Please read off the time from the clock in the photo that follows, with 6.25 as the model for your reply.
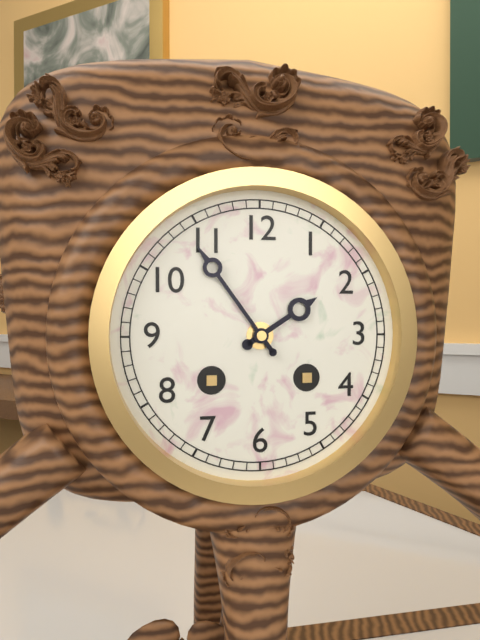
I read 1.54
